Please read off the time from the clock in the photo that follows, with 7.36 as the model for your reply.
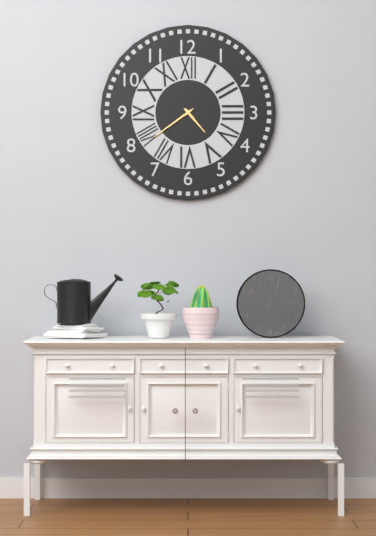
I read 4.39
